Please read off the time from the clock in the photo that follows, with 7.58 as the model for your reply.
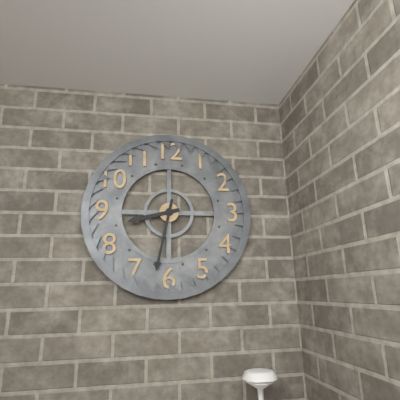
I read 8.32
